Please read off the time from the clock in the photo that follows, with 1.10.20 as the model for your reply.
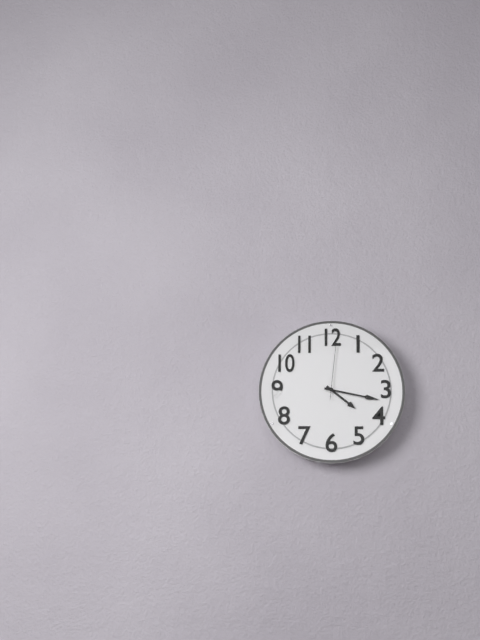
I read 4.17.01
